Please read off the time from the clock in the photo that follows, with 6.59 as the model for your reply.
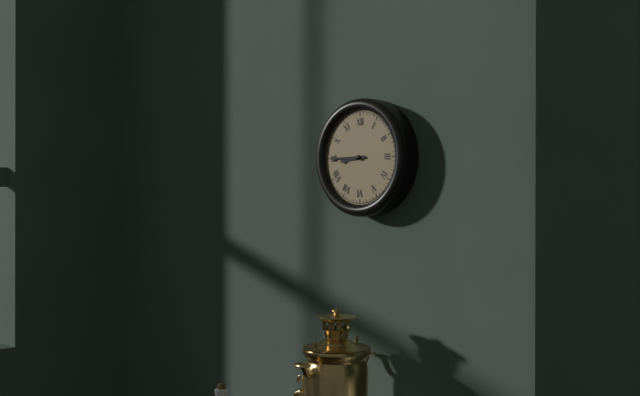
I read 8.45
